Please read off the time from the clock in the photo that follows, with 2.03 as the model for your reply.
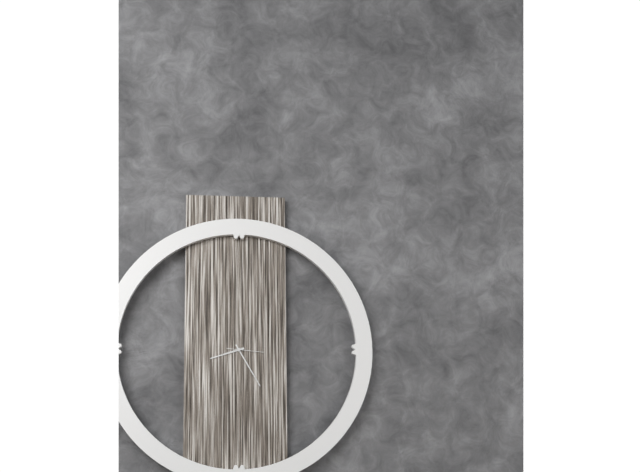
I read 8.25
